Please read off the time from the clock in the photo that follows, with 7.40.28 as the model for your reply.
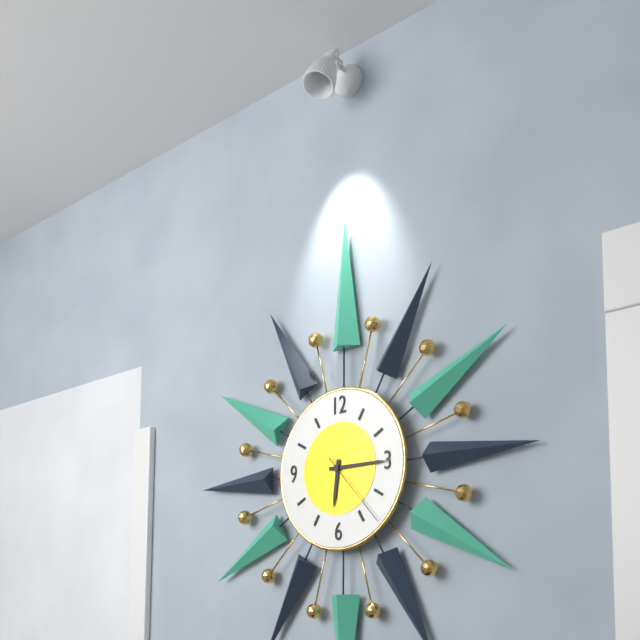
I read 6.15.23
